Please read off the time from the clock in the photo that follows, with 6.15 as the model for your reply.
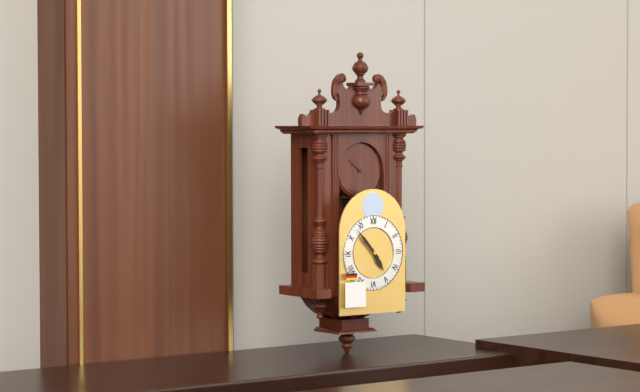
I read 4.53
